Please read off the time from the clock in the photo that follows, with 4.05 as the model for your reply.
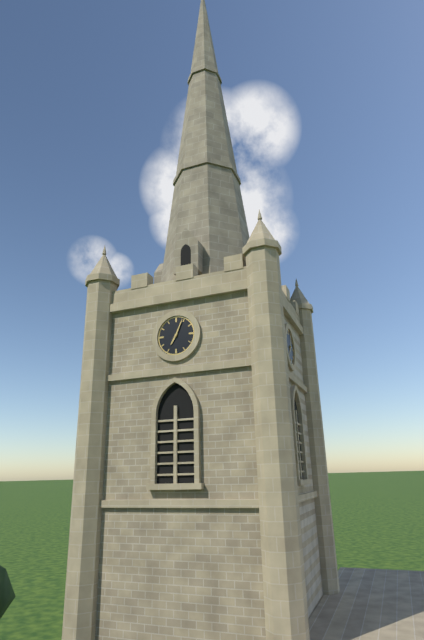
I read 7.04
